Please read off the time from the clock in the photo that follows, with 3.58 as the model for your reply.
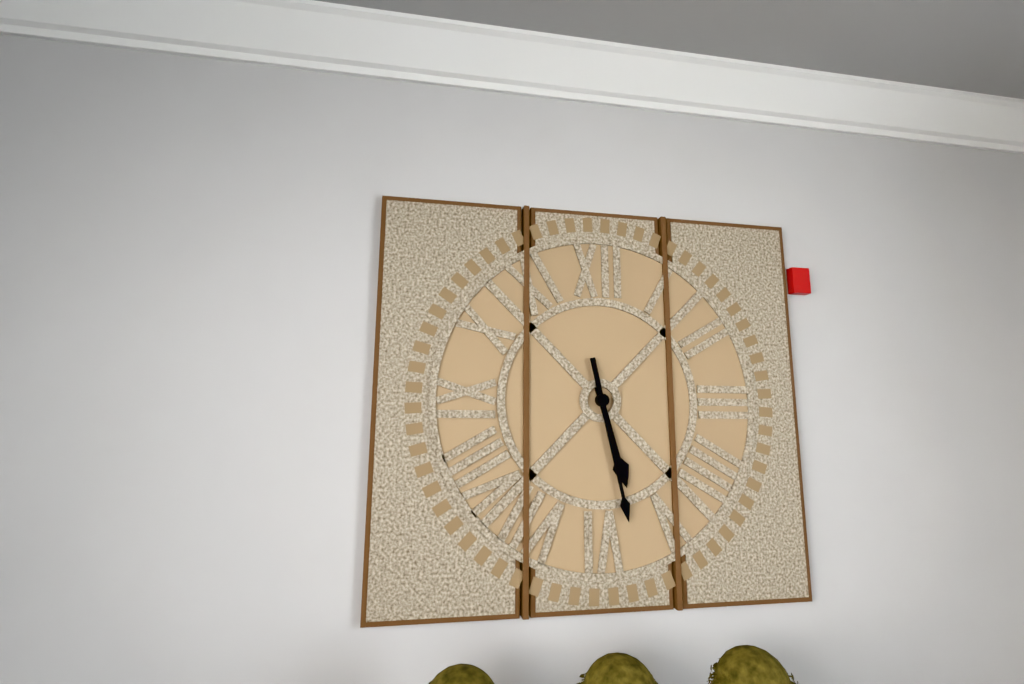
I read 5.28
